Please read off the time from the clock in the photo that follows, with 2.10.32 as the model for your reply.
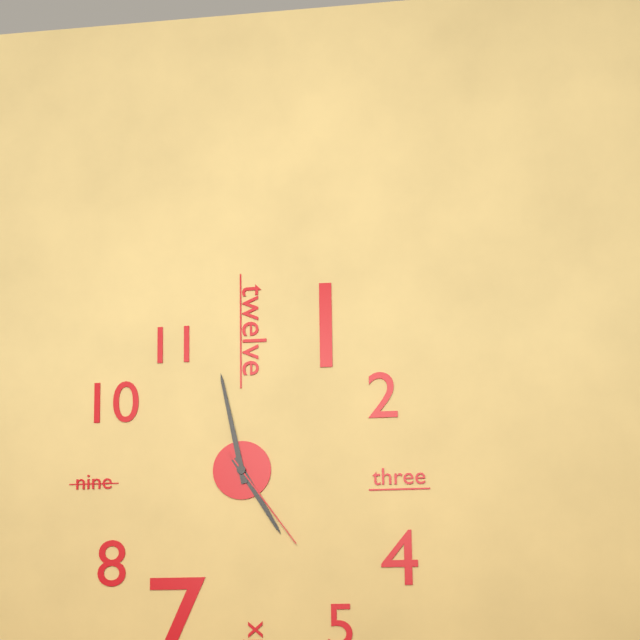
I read 4.58.24
